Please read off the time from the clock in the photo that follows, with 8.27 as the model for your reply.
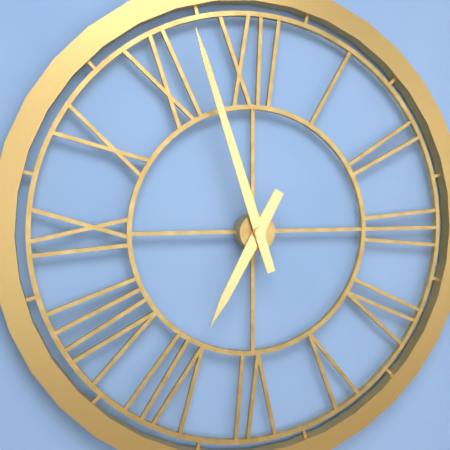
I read 6.57
